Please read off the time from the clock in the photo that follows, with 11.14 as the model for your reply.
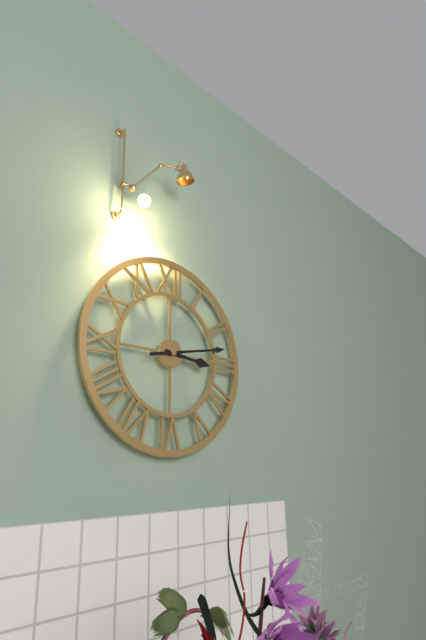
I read 3.13
